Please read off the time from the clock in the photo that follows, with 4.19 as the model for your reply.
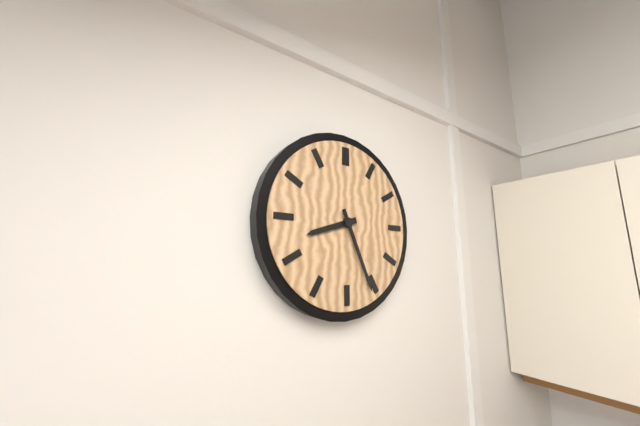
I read 8.26
